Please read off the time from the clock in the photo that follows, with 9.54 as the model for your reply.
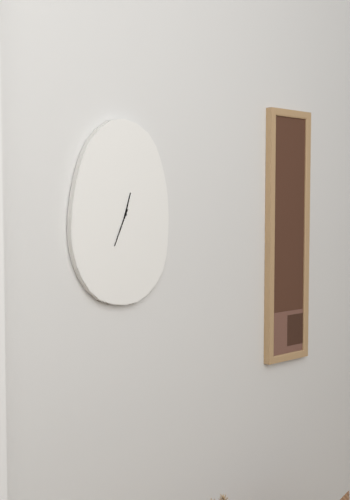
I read 12.34
